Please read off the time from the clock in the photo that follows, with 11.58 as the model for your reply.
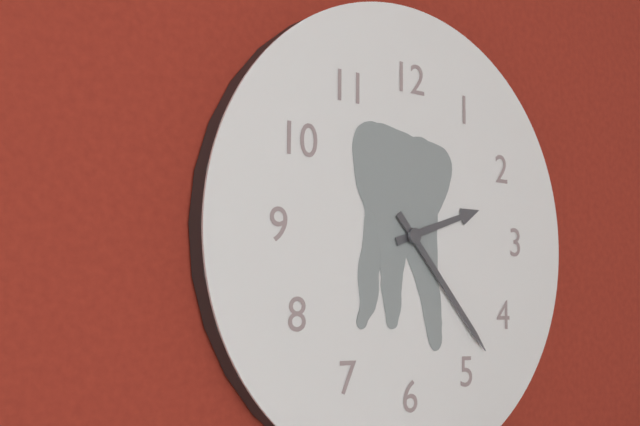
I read 2.23
